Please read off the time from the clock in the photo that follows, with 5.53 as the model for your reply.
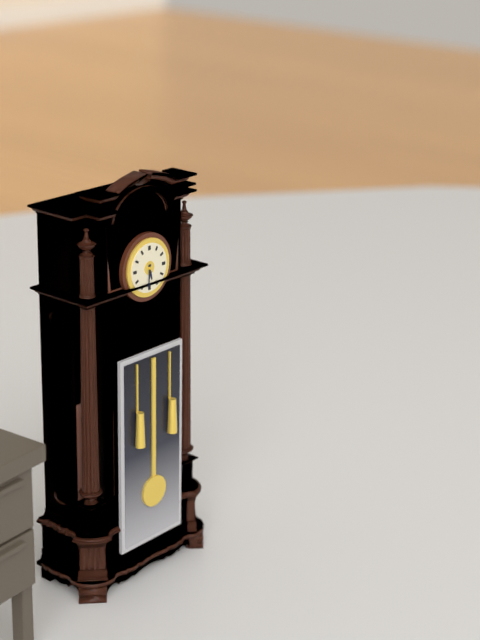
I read 5.31
